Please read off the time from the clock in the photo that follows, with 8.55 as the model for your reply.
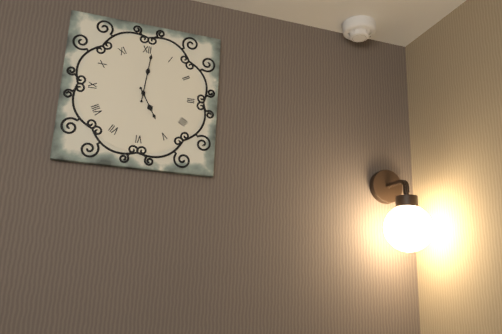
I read 5.01
